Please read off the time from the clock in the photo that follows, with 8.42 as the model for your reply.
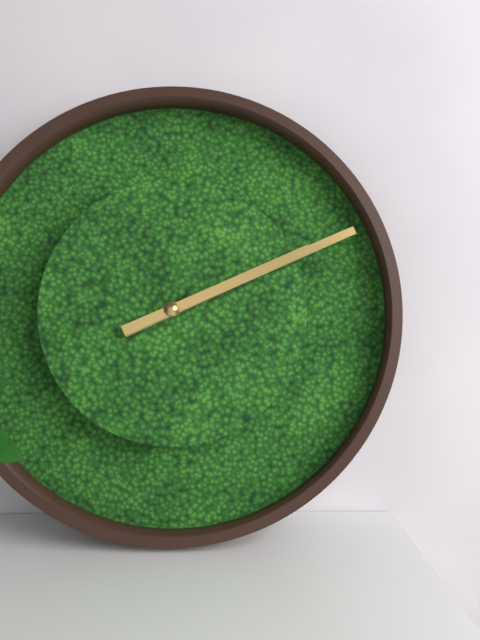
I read 2.11
